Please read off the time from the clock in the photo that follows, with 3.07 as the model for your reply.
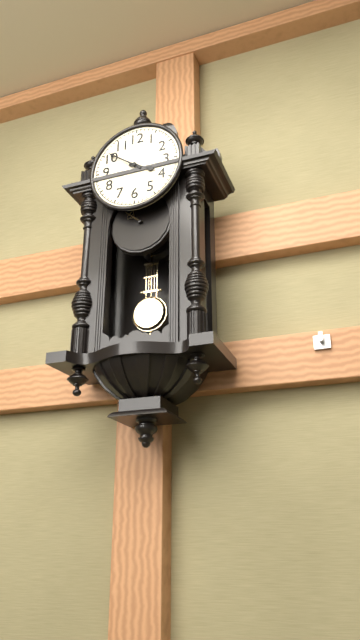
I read 3.51
